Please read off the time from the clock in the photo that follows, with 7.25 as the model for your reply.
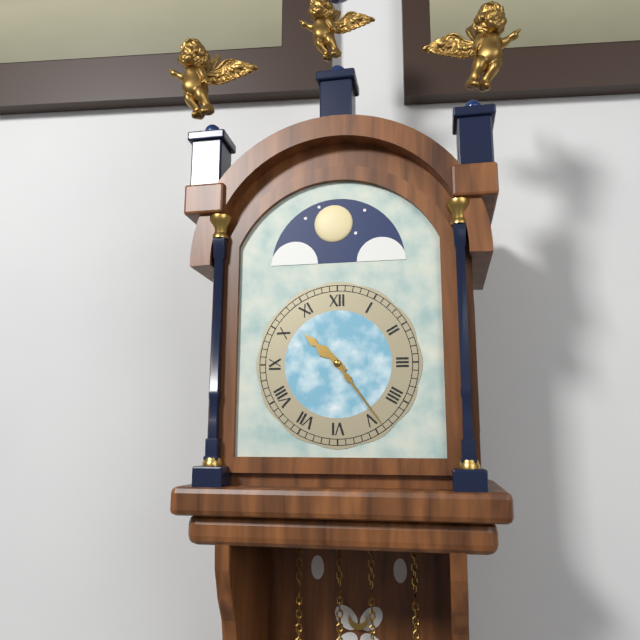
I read 10.24
